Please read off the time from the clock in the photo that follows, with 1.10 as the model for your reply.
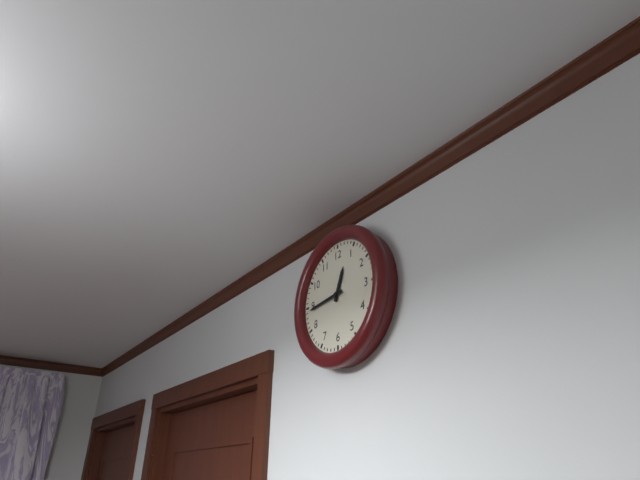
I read 12.44
